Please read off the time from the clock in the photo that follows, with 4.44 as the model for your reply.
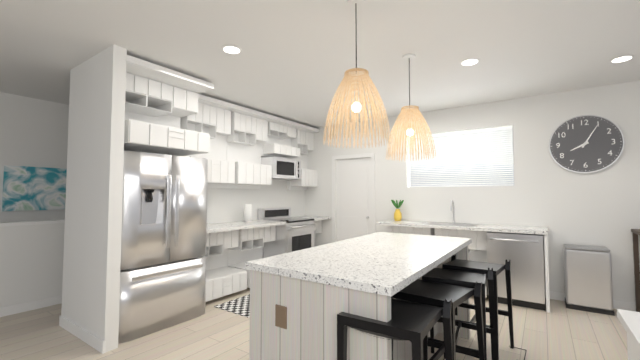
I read 8.05
